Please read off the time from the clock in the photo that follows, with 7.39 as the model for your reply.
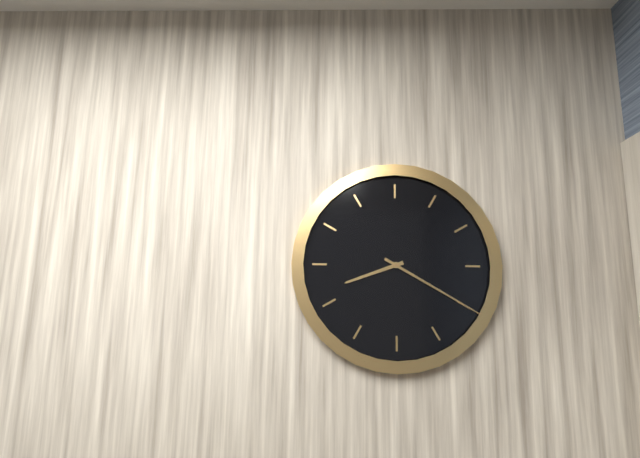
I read 8.20
